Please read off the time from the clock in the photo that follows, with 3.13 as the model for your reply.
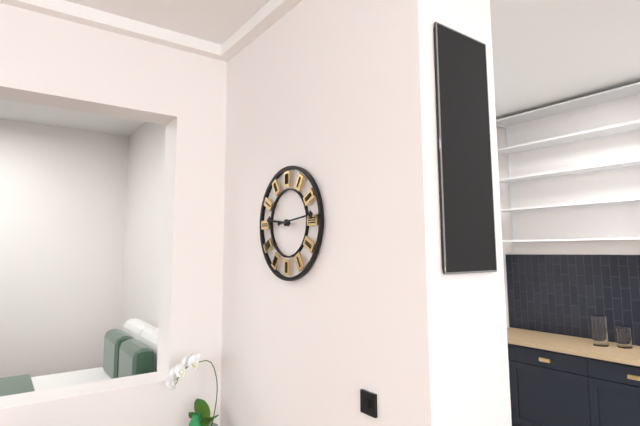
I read 9.14
